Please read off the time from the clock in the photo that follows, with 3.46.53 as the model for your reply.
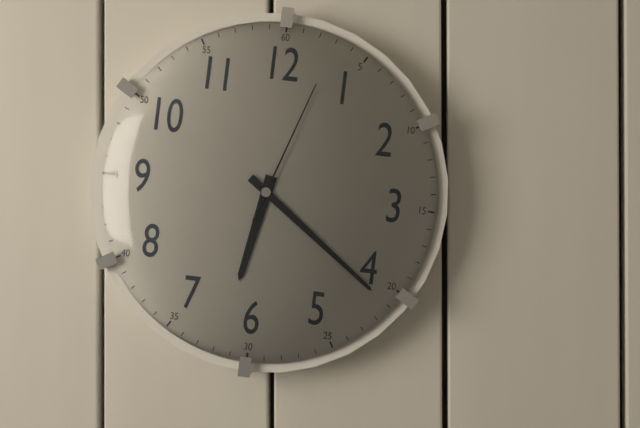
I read 6.21.03
